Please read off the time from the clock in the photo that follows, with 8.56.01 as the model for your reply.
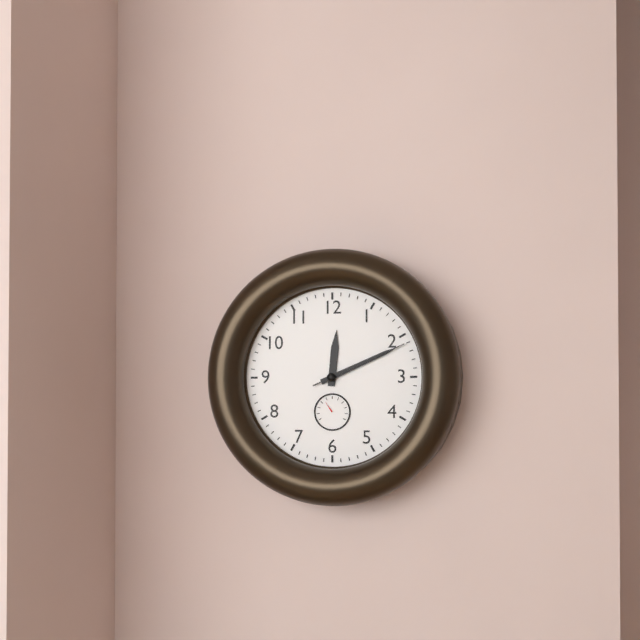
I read 12.11.11
